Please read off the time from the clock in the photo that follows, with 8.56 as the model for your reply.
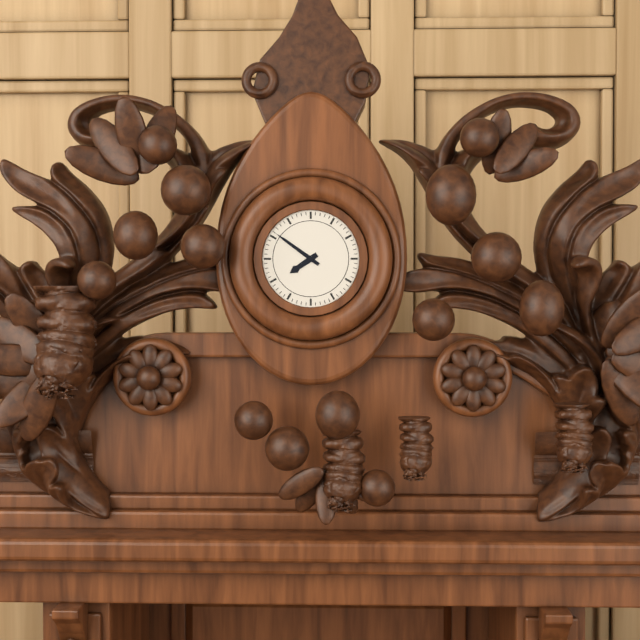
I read 7.51
